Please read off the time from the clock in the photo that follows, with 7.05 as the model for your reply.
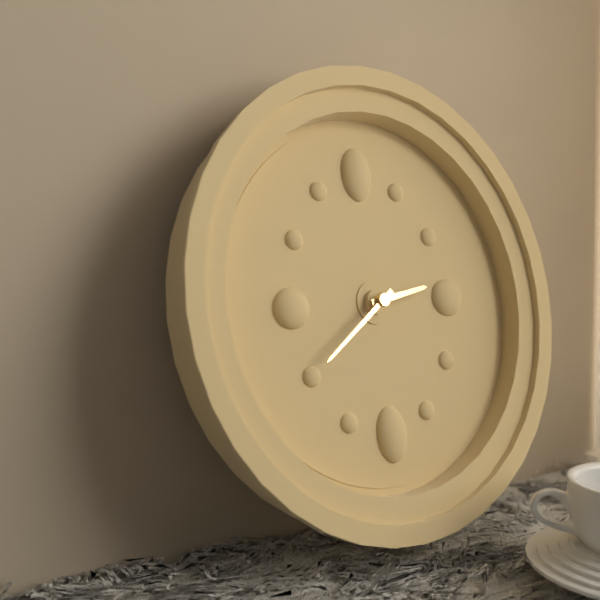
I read 2.39
